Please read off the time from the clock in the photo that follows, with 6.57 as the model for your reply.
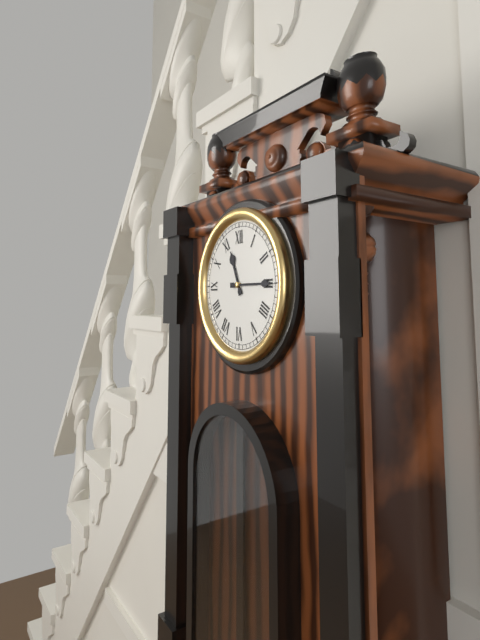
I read 11.15
